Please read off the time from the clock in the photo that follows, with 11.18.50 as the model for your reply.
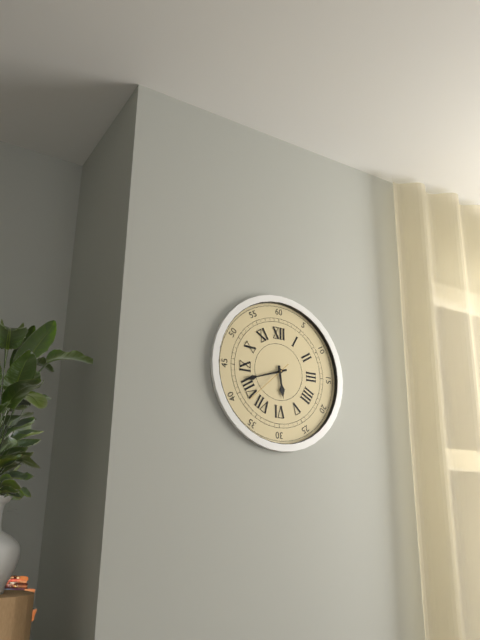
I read 5.42.38
